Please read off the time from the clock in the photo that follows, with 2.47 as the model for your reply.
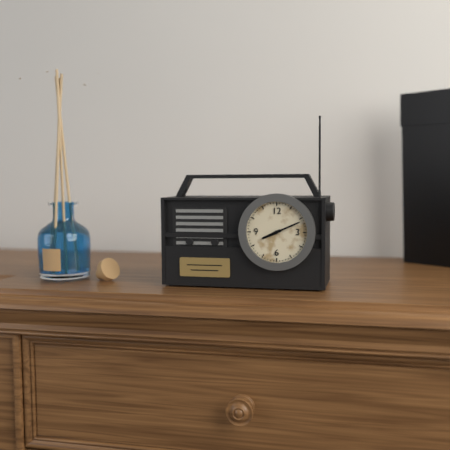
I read 8.11
